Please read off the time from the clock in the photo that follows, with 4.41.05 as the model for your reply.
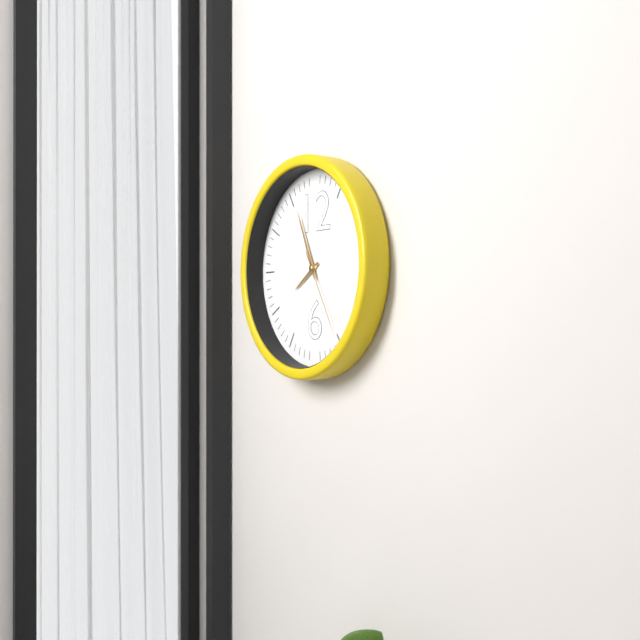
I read 7.56.25
